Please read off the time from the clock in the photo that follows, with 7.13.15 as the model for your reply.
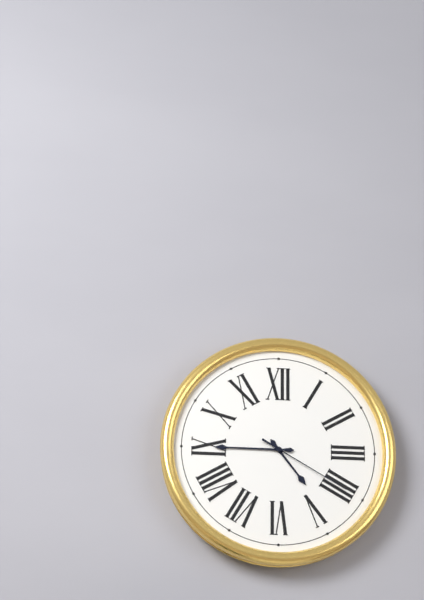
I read 4.45.20
